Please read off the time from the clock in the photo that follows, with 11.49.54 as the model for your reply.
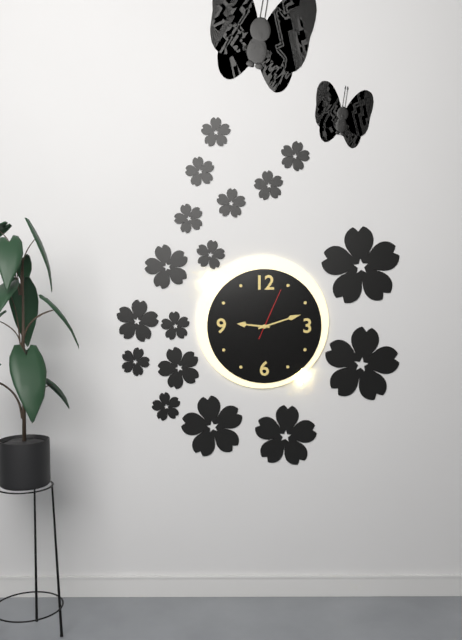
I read 9.12.04
